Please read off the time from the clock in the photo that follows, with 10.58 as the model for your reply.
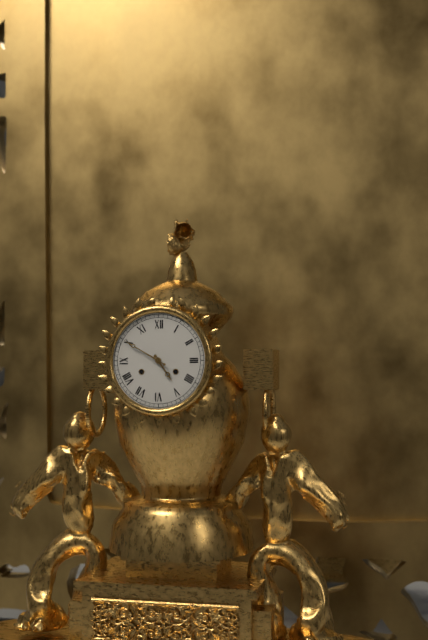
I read 4.50
